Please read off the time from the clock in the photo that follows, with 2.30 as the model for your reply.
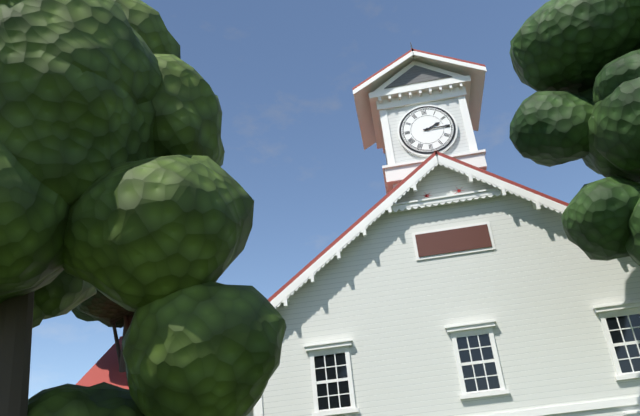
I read 2.15
